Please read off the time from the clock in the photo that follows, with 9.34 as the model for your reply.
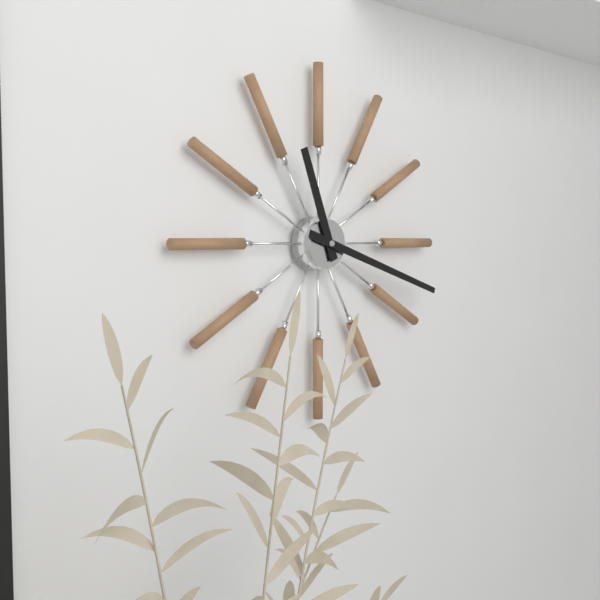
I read 11.18
